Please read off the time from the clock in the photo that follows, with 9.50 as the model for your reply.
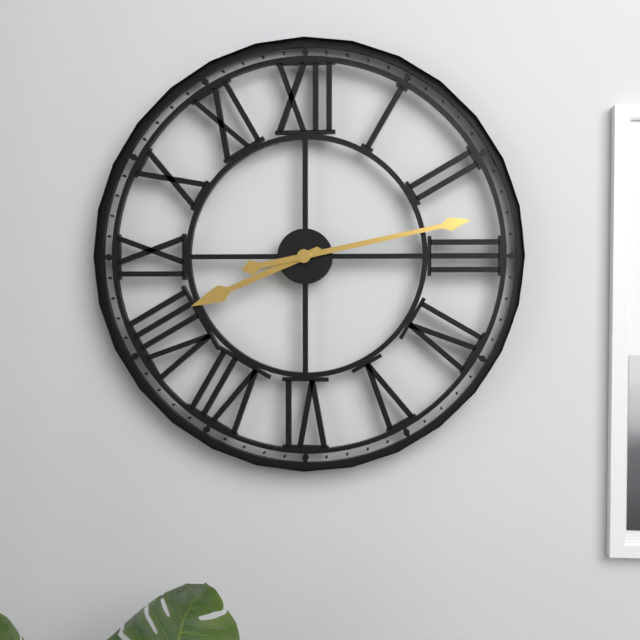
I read 8.13
